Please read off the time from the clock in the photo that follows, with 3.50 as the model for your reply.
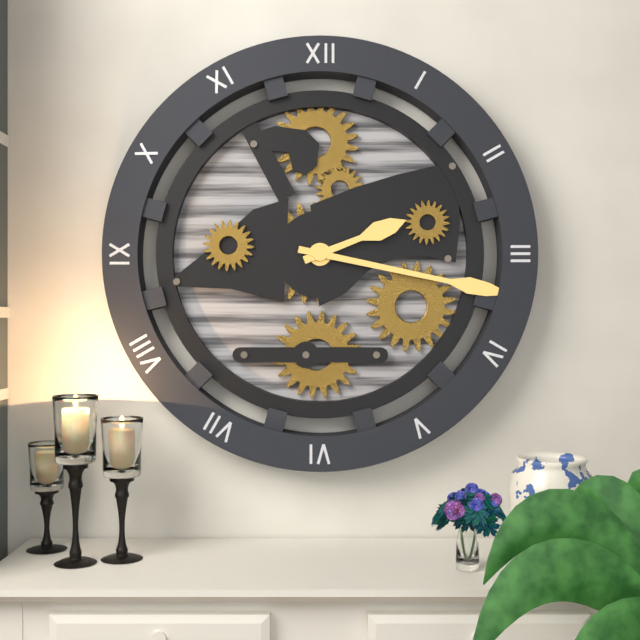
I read 2.17
